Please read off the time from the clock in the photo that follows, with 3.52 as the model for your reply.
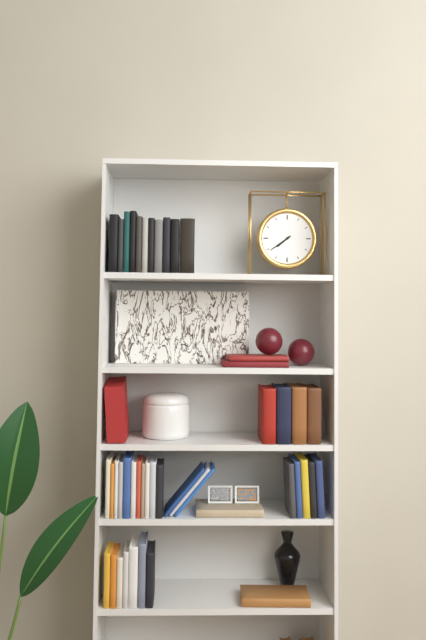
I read 7.39
